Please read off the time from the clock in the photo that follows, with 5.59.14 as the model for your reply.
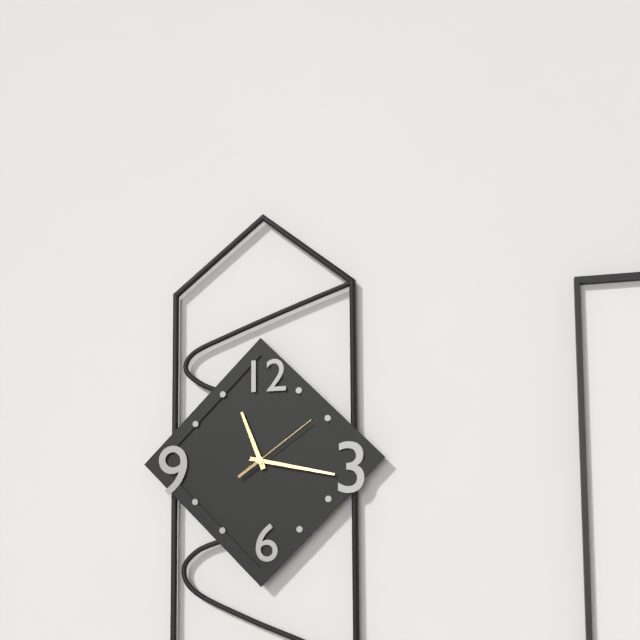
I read 11.17.09
